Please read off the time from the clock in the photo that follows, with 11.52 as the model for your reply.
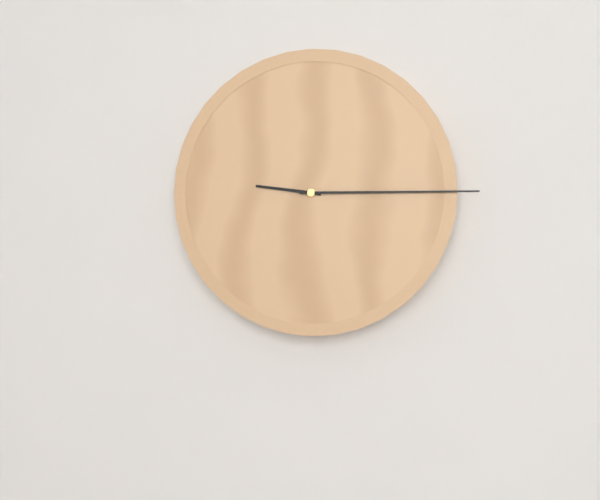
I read 9.15
